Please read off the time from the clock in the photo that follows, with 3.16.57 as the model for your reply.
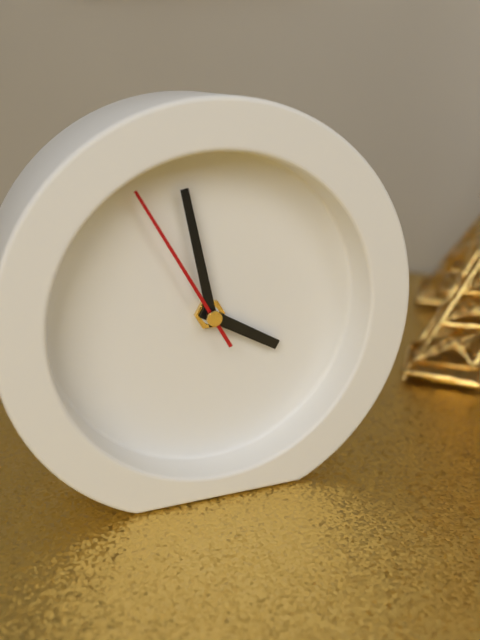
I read 3.58.55
